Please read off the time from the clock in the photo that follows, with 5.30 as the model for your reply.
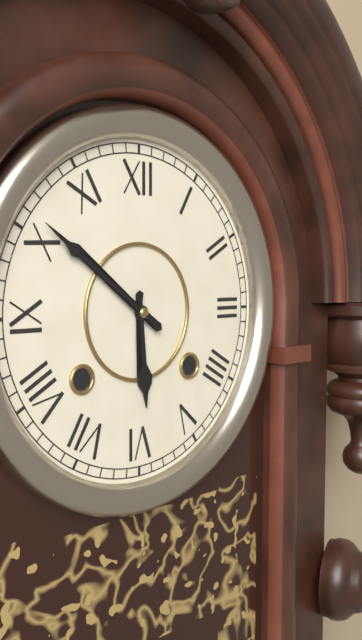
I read 5.51
